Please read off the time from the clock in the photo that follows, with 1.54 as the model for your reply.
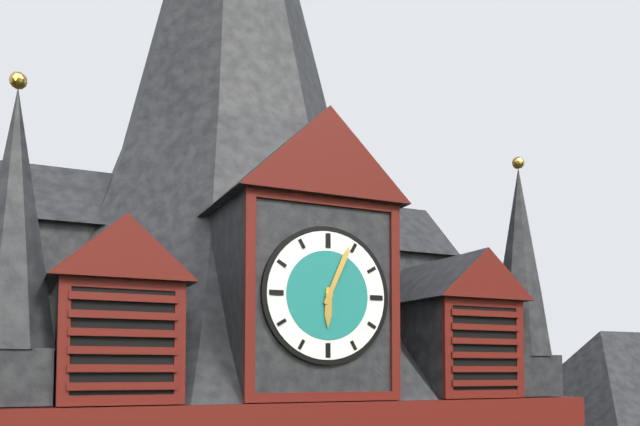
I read 6.04
